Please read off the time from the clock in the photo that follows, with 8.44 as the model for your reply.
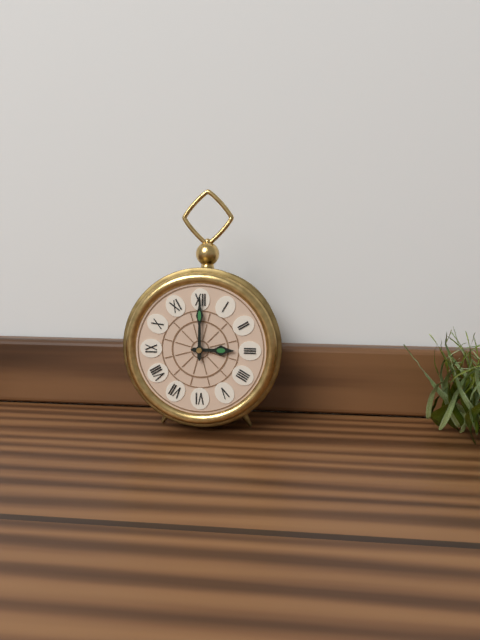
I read 3.00
